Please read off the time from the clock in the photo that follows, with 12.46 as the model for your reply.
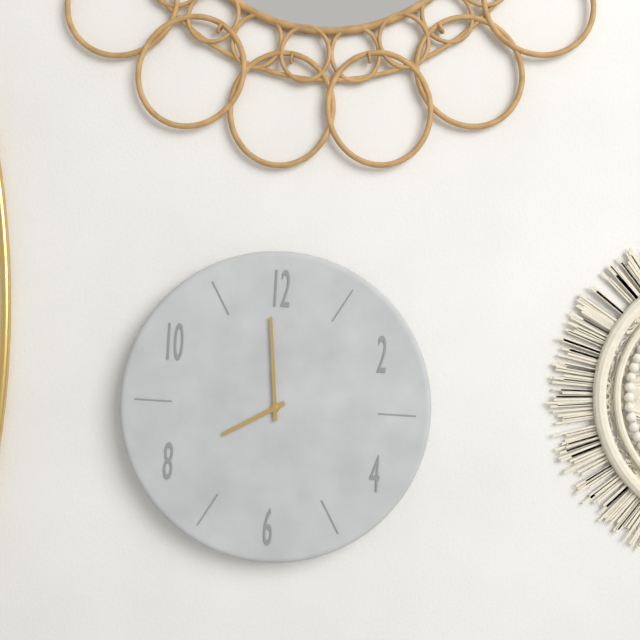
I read 7.59
